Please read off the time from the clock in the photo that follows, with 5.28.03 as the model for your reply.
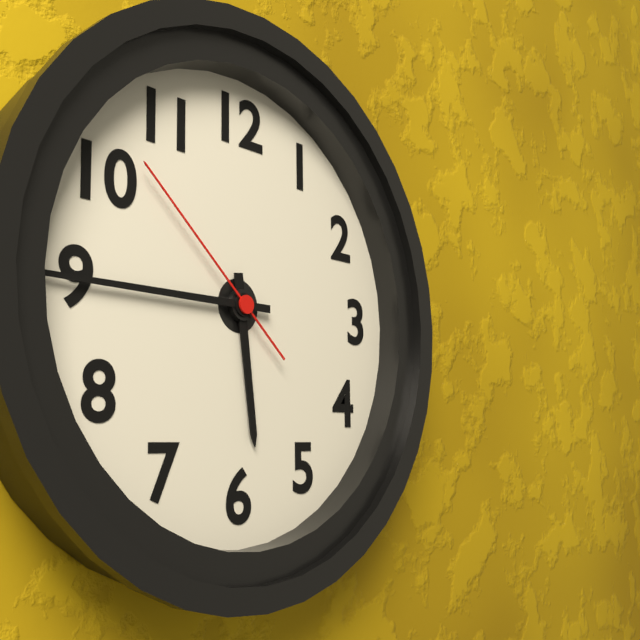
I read 5.45.52
